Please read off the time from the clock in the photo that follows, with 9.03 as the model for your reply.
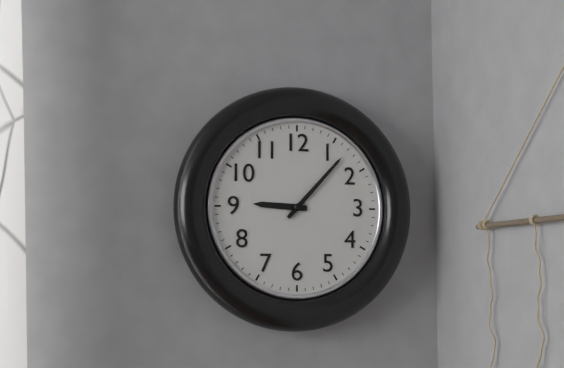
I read 9.07
